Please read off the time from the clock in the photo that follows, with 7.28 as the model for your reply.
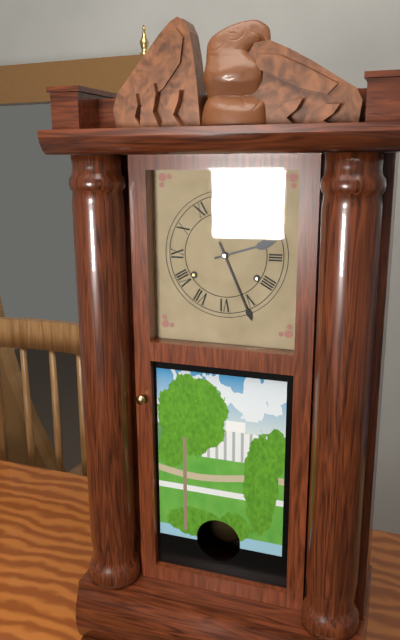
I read 2.26
